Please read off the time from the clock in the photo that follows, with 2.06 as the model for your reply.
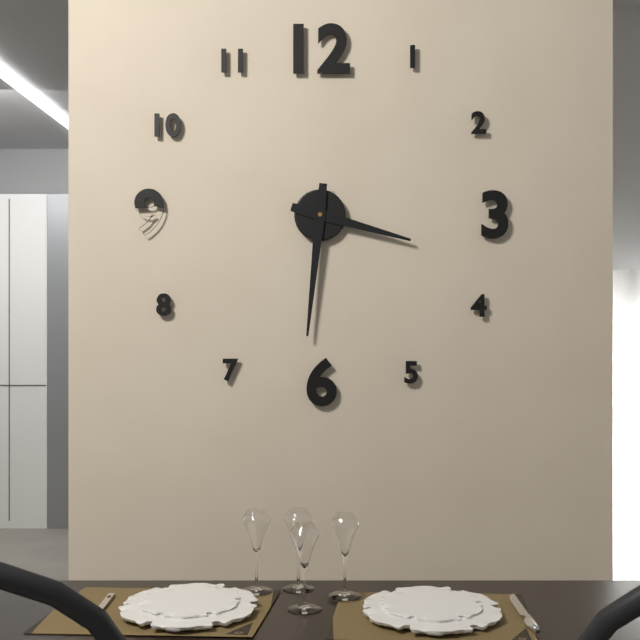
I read 3.31
